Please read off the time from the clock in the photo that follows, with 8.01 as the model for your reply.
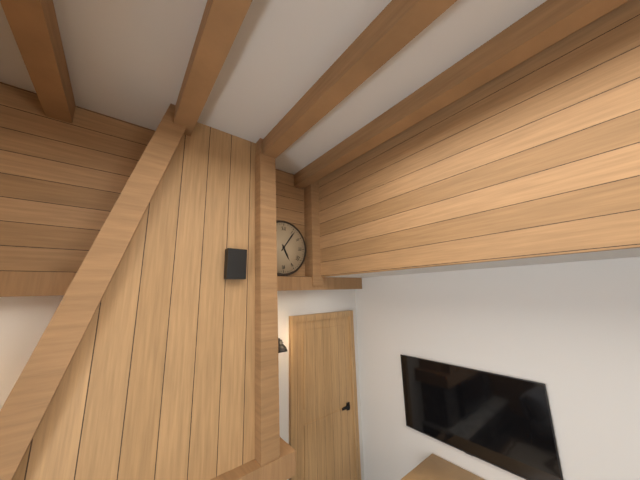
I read 5.06
